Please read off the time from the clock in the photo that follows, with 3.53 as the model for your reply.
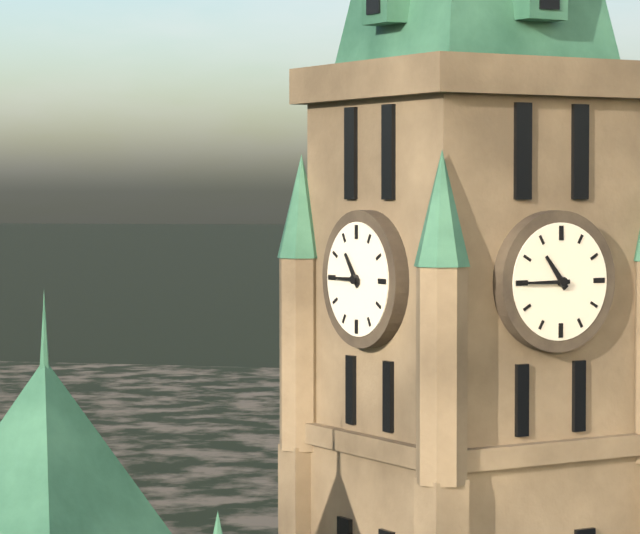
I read 10.45
